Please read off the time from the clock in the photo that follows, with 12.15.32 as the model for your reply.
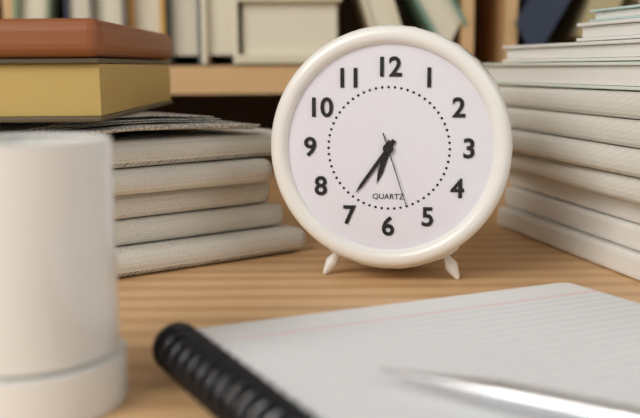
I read 6.36.27
